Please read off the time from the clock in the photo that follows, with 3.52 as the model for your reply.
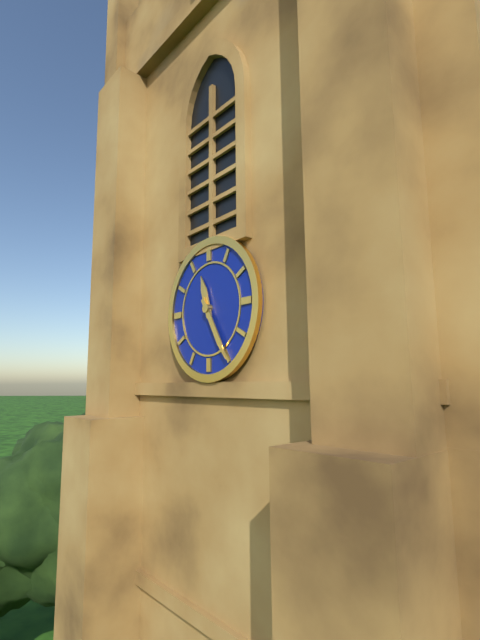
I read 11.25
